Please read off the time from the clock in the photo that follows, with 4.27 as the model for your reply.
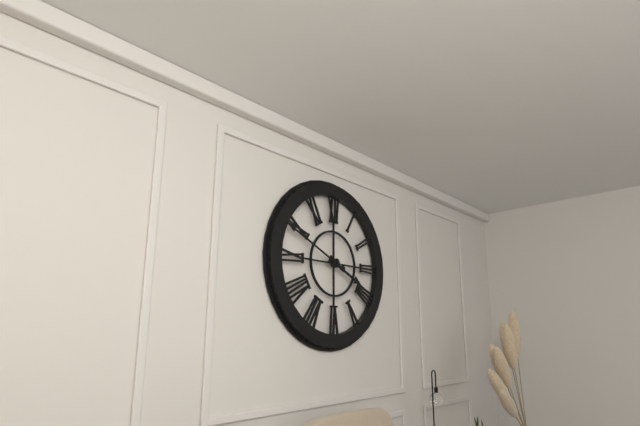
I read 3.49
